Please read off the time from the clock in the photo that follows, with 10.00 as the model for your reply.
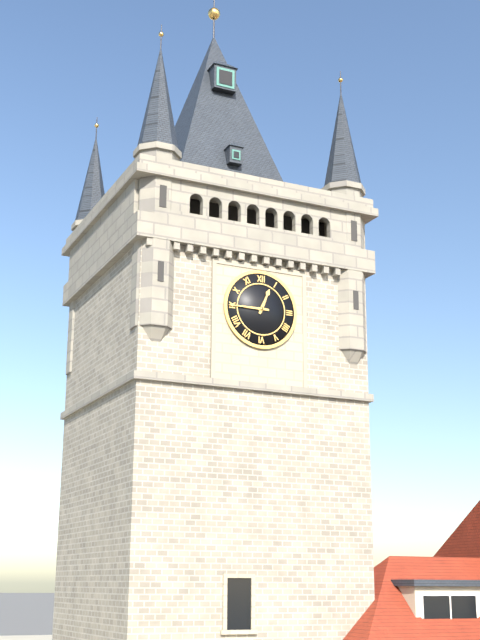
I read 12.45
